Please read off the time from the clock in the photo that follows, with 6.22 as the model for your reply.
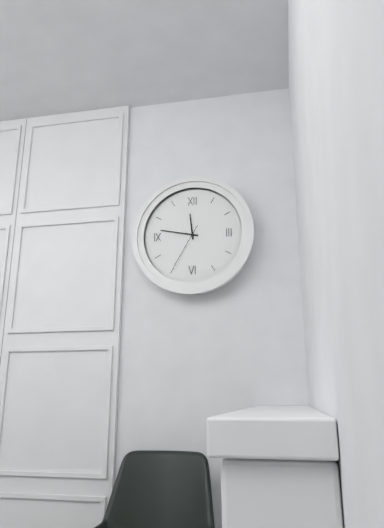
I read 11.47
